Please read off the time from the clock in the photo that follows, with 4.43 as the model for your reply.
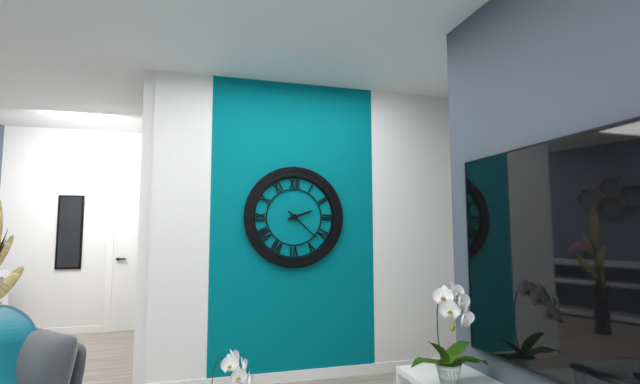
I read 2.22
